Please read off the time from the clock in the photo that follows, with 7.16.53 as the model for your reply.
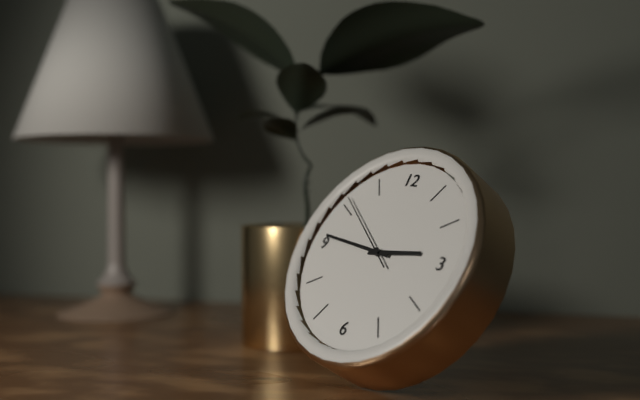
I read 2.46.51
